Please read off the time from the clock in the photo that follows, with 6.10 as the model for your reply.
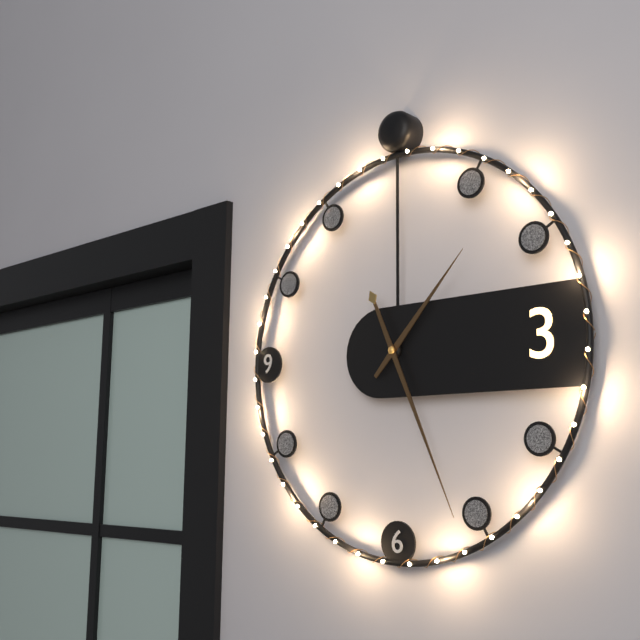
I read 1.26
